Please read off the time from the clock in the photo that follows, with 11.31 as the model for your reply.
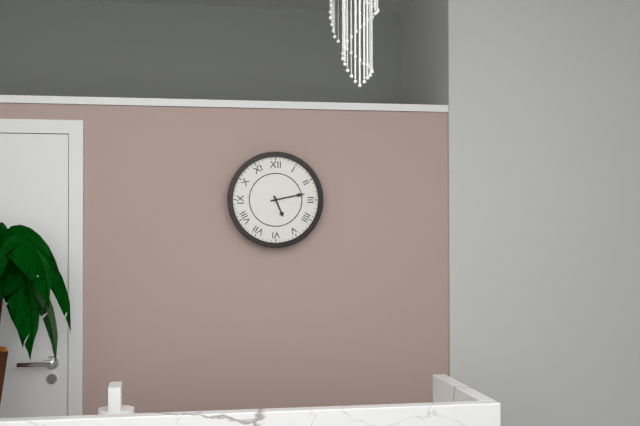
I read 5.13
